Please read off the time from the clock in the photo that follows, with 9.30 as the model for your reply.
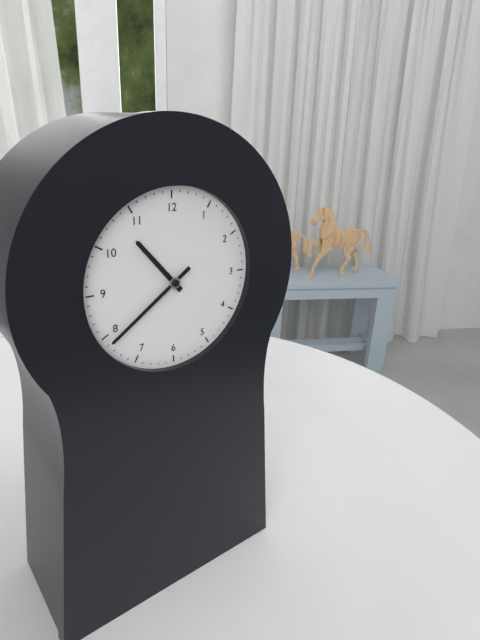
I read 10.39
